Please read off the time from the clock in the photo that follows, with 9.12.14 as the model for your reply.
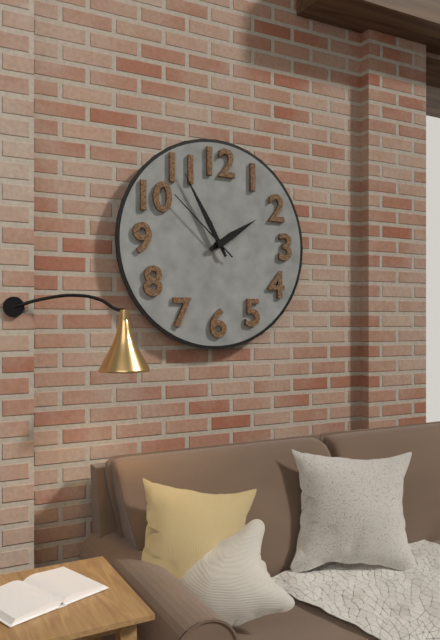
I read 1.55.52
